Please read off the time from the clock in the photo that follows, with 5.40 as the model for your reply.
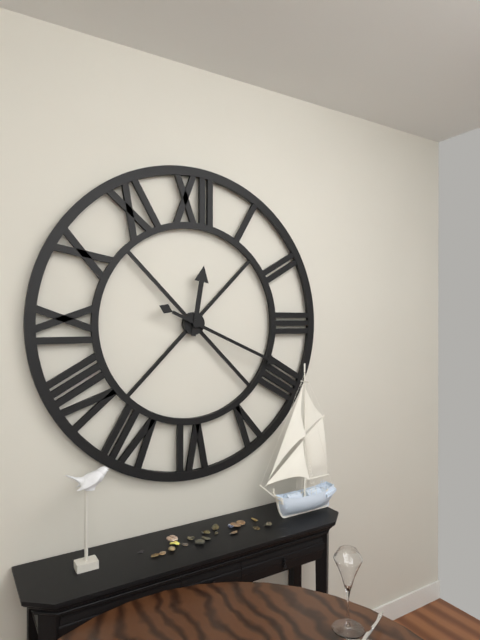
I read 12.19
